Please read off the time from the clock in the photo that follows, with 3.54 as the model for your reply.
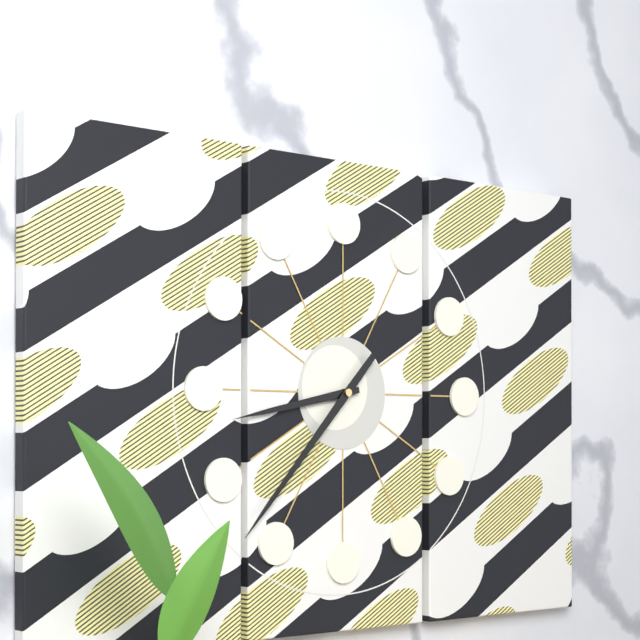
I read 8.37
